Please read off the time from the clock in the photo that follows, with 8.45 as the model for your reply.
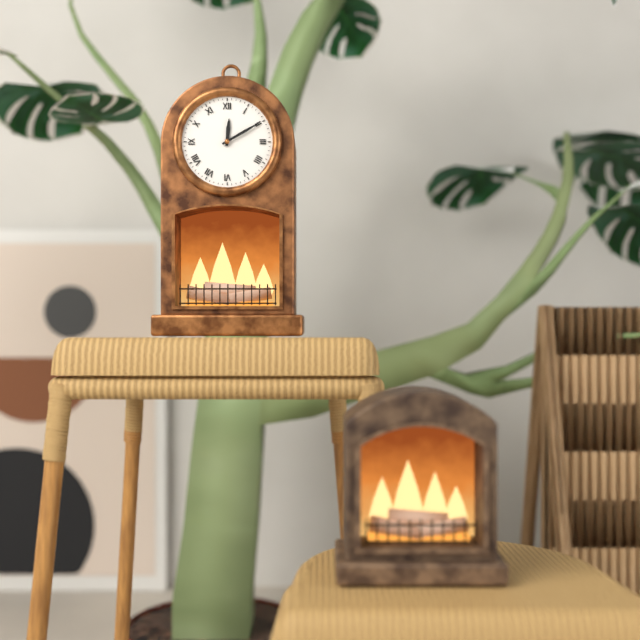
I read 12.10
